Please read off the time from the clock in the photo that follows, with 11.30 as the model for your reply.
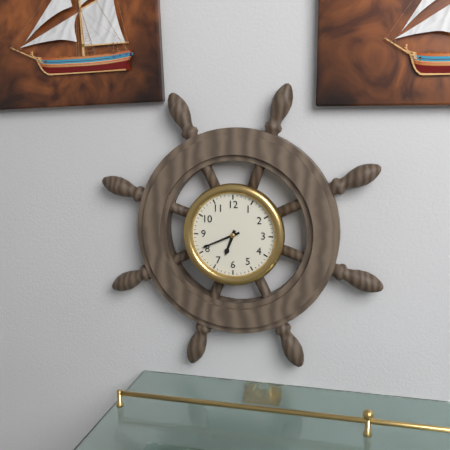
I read 6.41
